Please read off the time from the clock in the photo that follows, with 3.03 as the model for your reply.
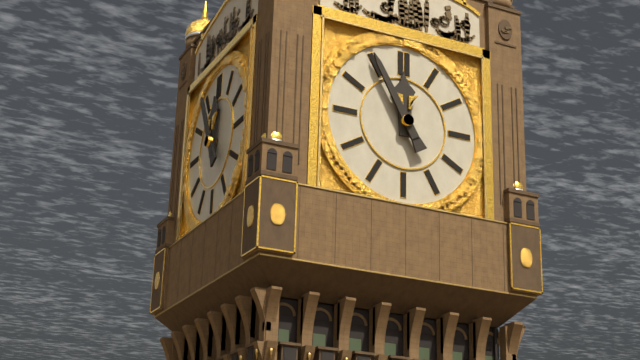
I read 11.55
